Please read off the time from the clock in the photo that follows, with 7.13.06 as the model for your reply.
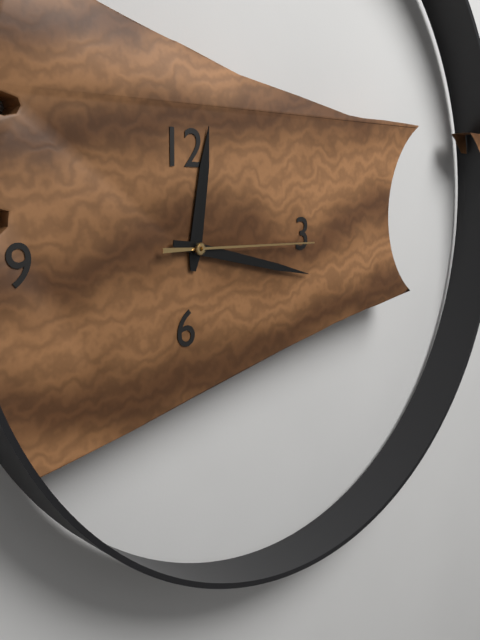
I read 12.17.15
